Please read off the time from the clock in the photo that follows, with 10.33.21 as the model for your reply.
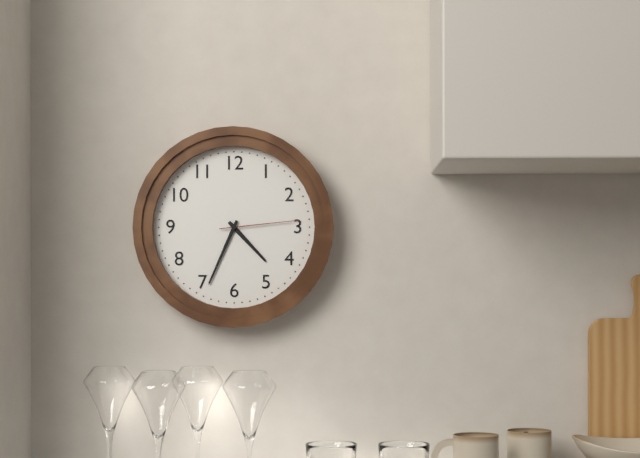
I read 4.34.14
